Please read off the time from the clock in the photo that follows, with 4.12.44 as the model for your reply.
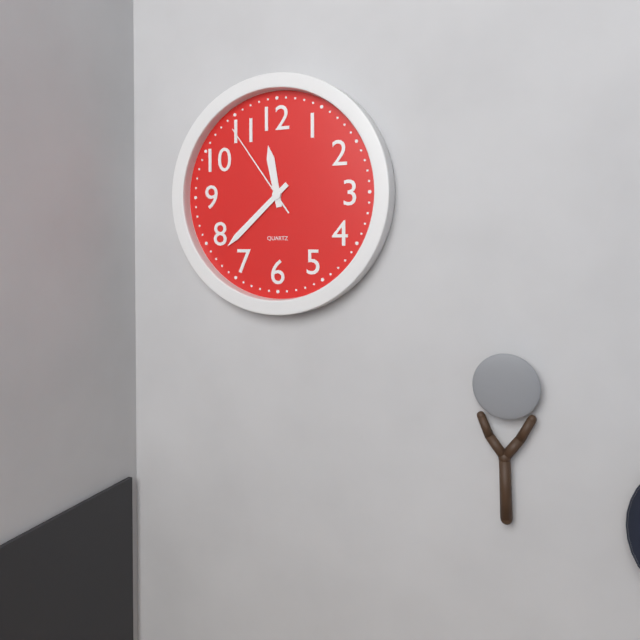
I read 11.38.54
